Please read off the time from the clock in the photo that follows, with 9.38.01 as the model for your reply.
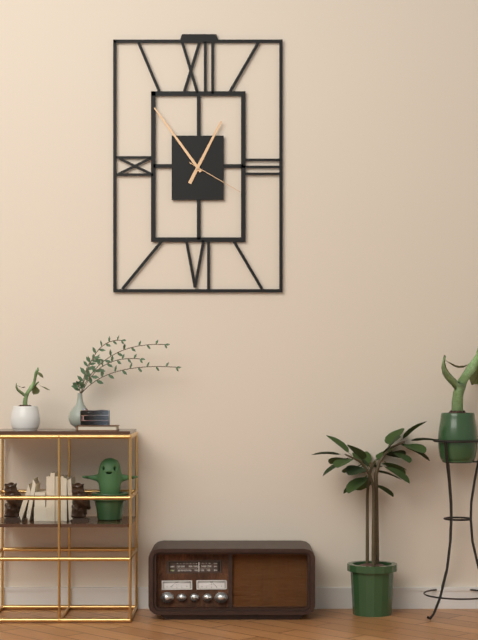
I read 12.54.20
